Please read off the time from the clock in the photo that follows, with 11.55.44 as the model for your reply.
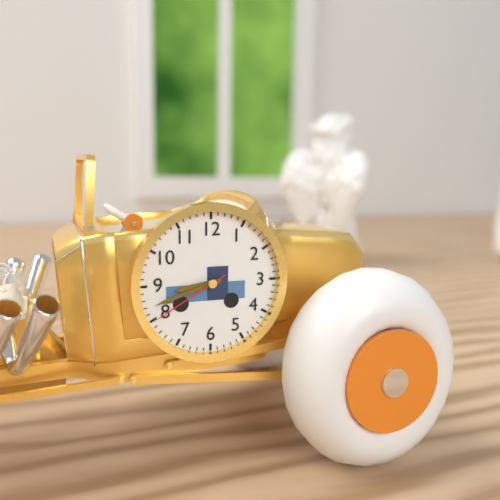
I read 8.42.40
